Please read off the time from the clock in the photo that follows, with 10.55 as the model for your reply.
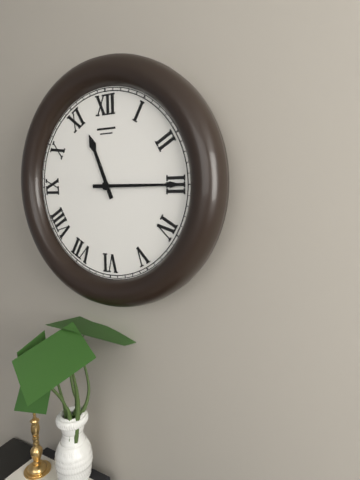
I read 11.15
